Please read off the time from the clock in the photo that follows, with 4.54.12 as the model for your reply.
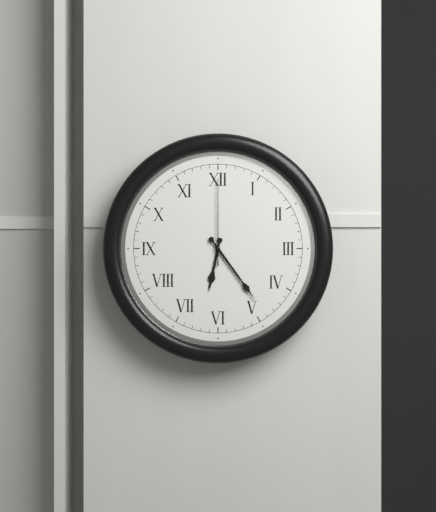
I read 6.24.00
